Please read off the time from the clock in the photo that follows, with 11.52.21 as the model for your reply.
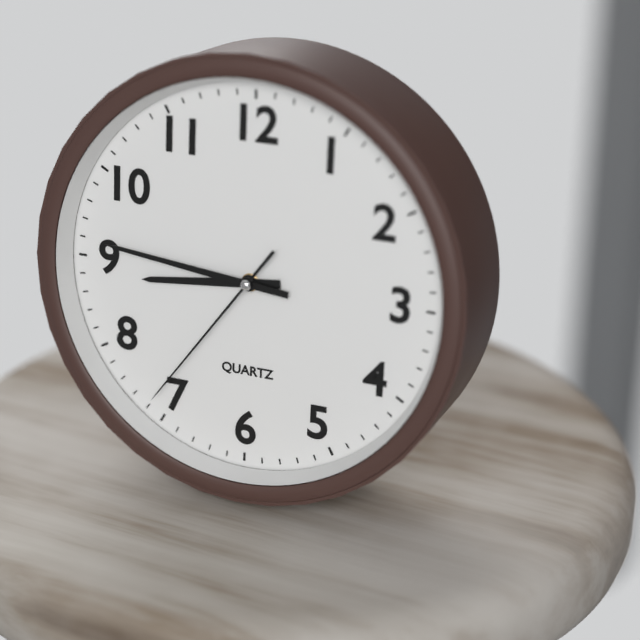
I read 8.46.36
